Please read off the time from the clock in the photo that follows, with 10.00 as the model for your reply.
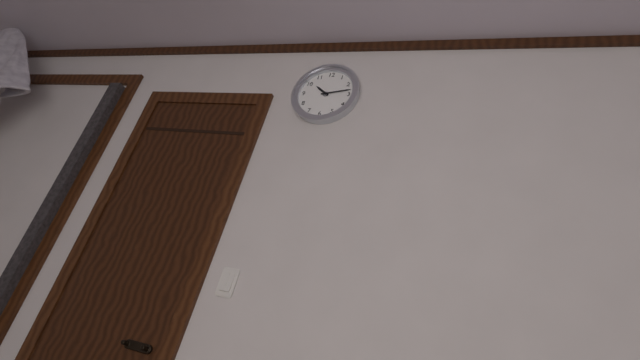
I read 10.13
